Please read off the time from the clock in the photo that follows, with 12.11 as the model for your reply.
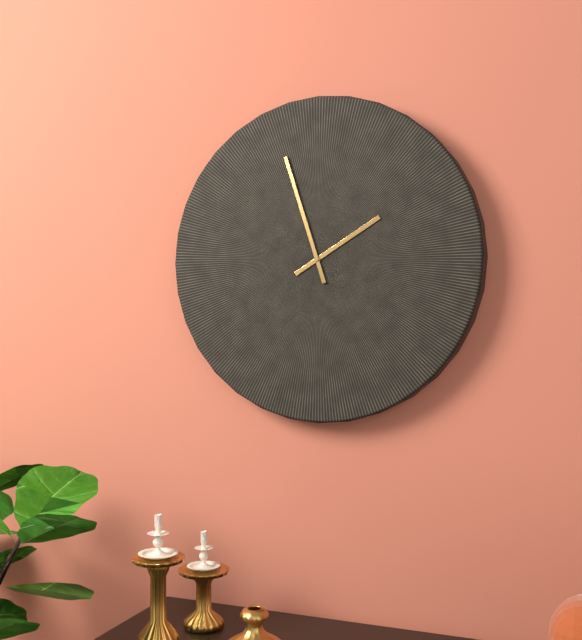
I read 1.57
